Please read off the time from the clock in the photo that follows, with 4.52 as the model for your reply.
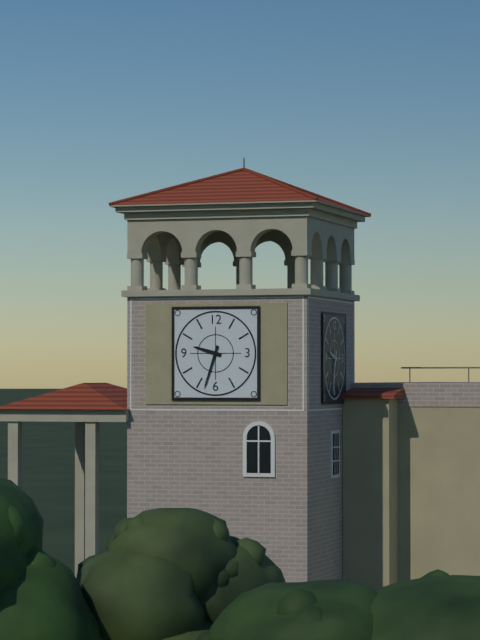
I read 9.33
